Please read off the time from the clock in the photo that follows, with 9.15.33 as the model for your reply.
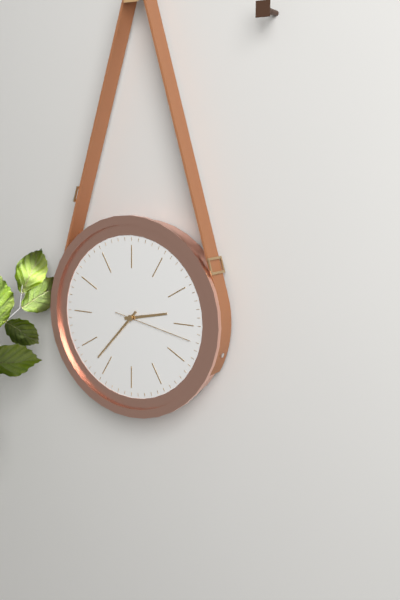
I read 2.37.17
